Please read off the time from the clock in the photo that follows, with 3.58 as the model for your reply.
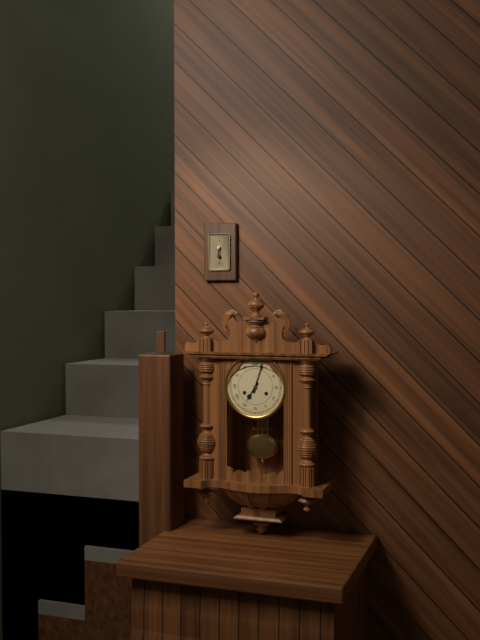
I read 7.03
